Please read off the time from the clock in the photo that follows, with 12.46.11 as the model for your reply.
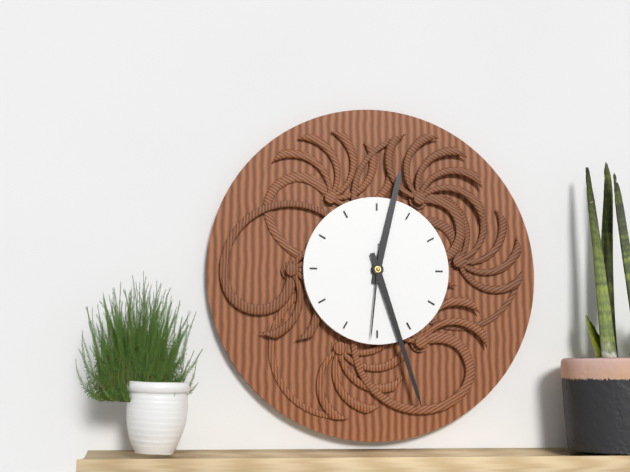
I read 12.27.31
